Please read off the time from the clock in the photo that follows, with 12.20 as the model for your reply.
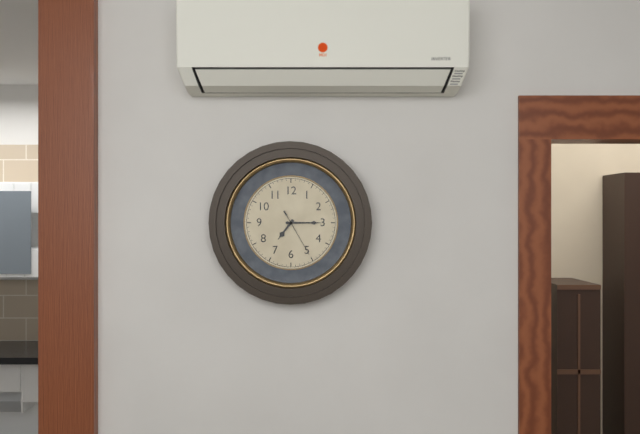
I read 7.15
